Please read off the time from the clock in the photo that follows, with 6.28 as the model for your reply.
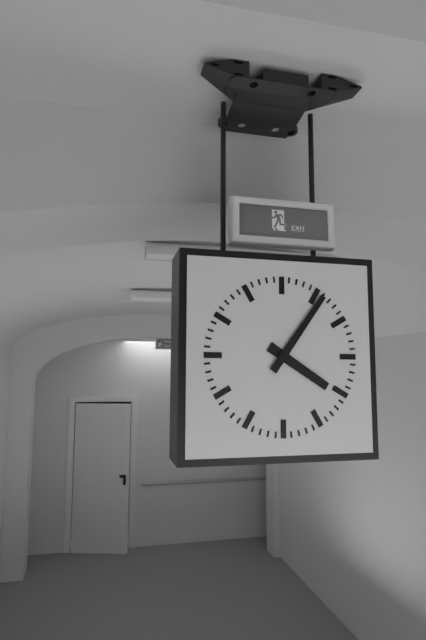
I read 4.06
